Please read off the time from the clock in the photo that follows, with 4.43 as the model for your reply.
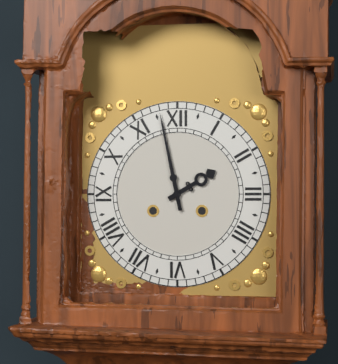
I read 1.58
